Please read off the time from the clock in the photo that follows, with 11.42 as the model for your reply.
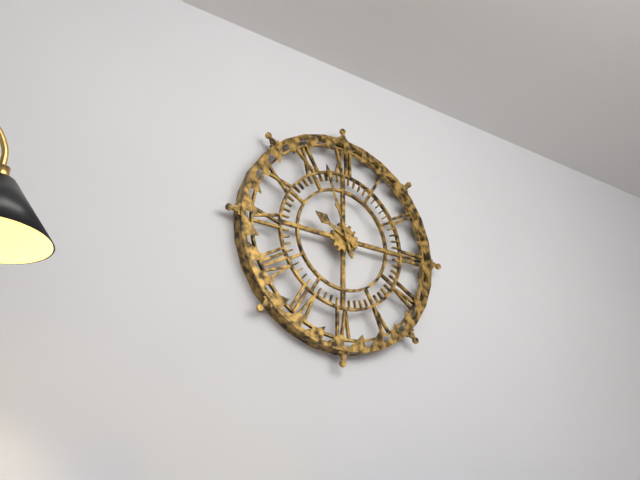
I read 9.57
